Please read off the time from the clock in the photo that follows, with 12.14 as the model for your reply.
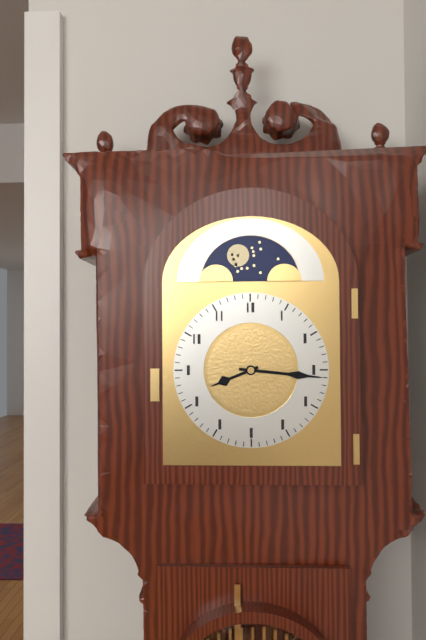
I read 8.16
